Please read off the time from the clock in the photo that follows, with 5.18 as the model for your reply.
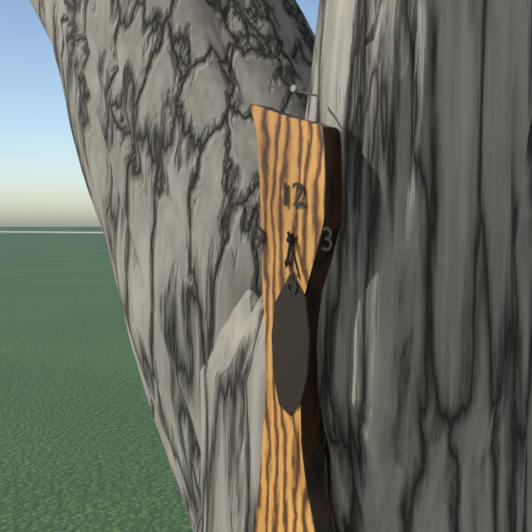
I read 6.27
